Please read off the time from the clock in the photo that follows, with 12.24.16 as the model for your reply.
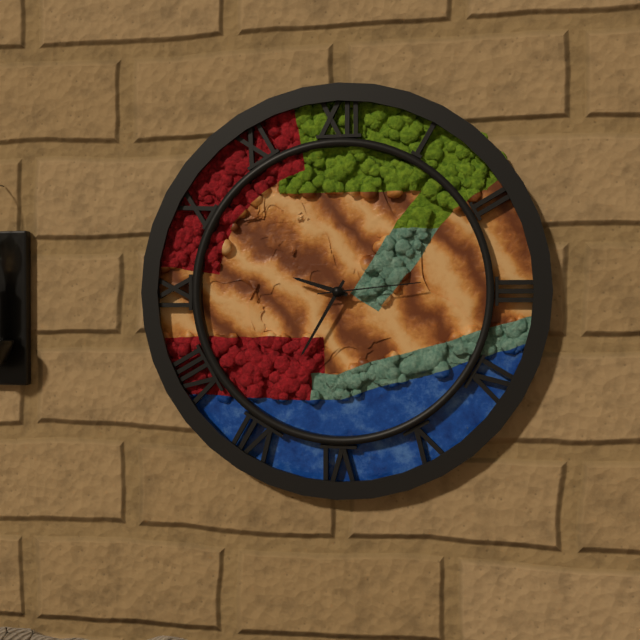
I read 9.35.14
